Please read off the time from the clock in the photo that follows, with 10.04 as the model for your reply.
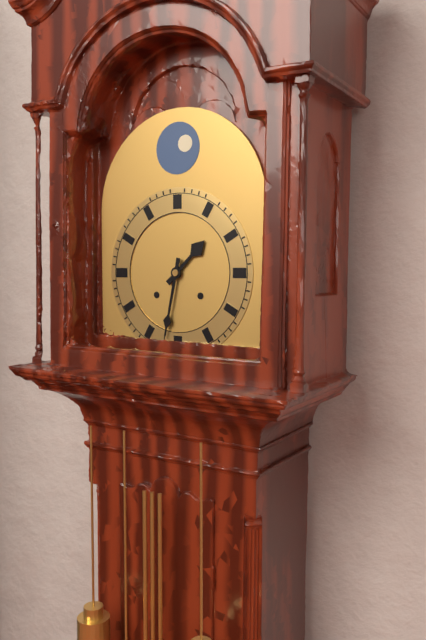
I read 1.32
